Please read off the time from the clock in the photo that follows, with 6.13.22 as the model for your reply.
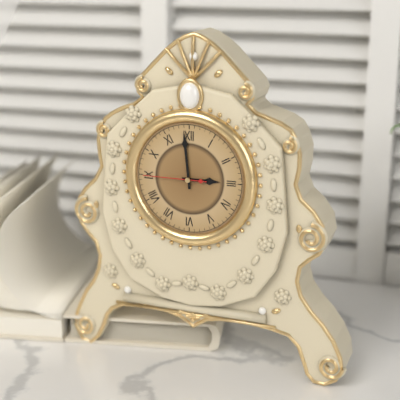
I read 2.59.45
